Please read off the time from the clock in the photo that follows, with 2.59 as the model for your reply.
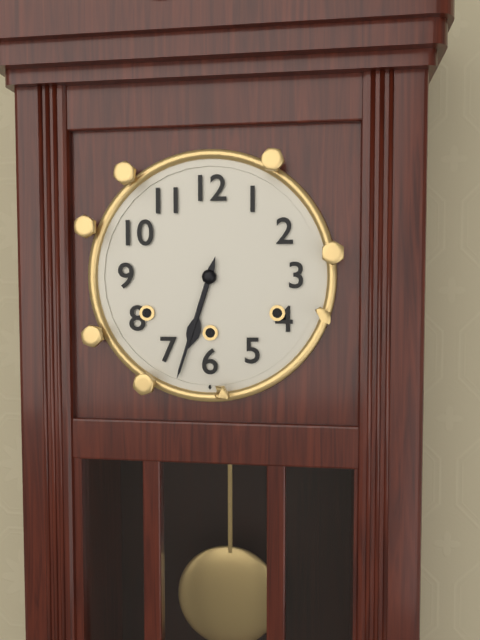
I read 6.33
